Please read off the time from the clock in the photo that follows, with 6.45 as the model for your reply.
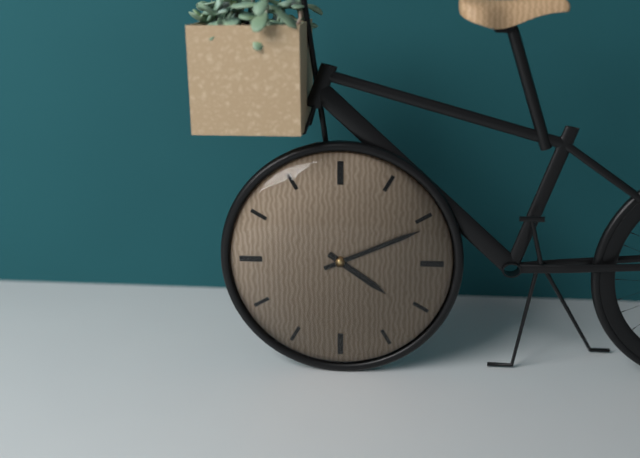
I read 4.11
